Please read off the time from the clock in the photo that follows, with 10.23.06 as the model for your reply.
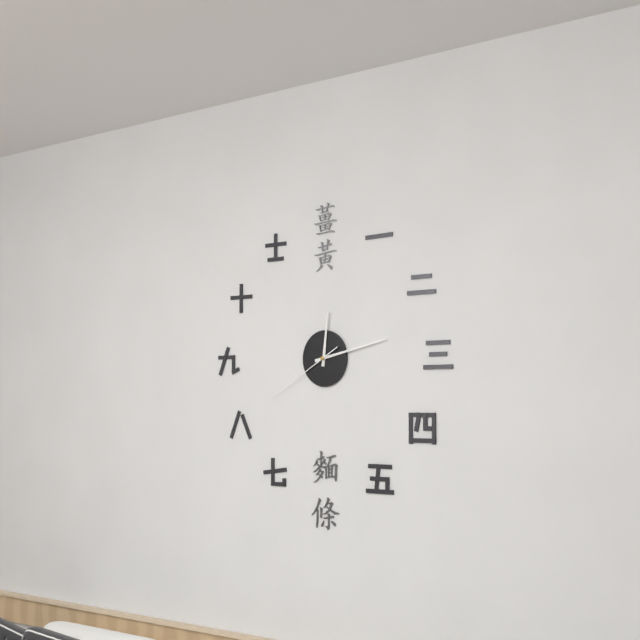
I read 12.13.40
